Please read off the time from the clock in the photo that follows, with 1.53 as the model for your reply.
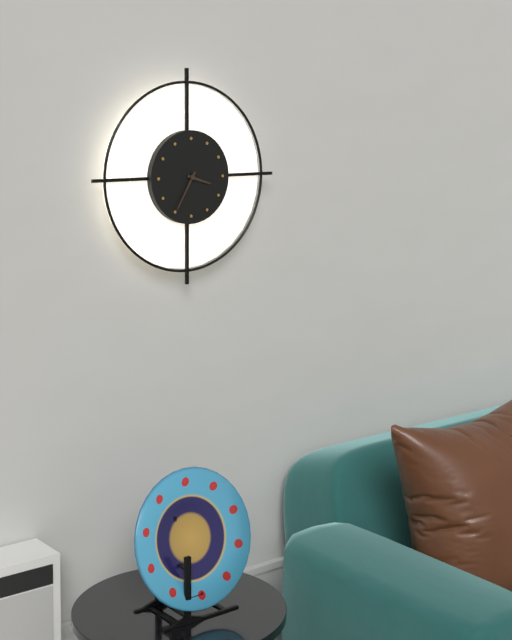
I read 3.35
